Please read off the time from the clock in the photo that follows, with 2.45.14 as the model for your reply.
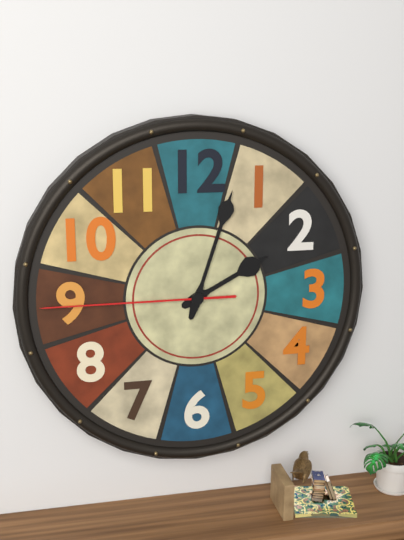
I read 2.03.45
